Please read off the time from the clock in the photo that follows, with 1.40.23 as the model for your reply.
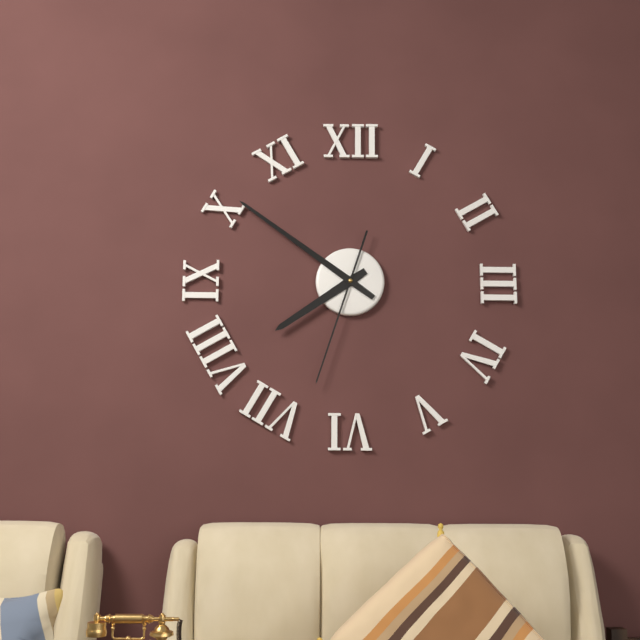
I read 7.51.33
